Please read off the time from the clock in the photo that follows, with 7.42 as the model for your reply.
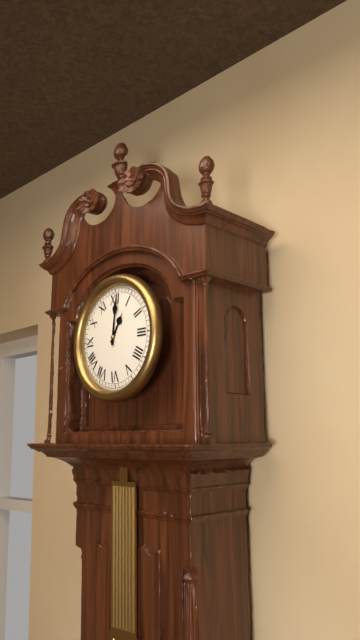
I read 1.01
